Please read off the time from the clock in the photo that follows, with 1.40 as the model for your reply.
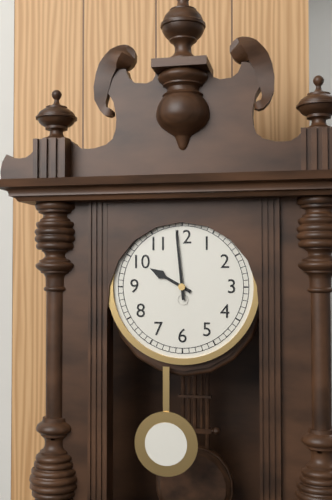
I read 9.59
